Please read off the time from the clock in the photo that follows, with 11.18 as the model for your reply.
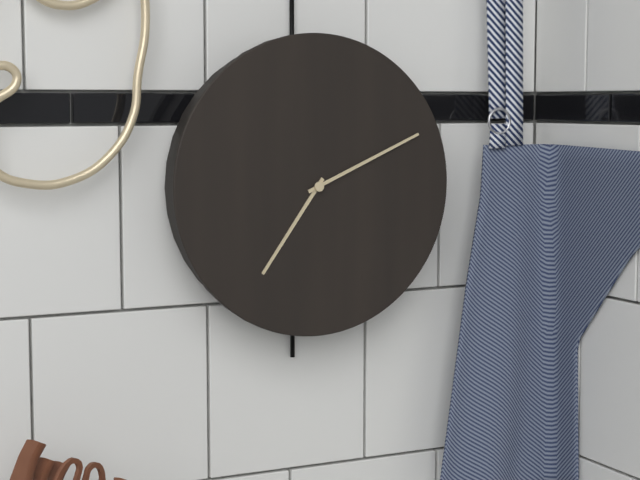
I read 7.11
